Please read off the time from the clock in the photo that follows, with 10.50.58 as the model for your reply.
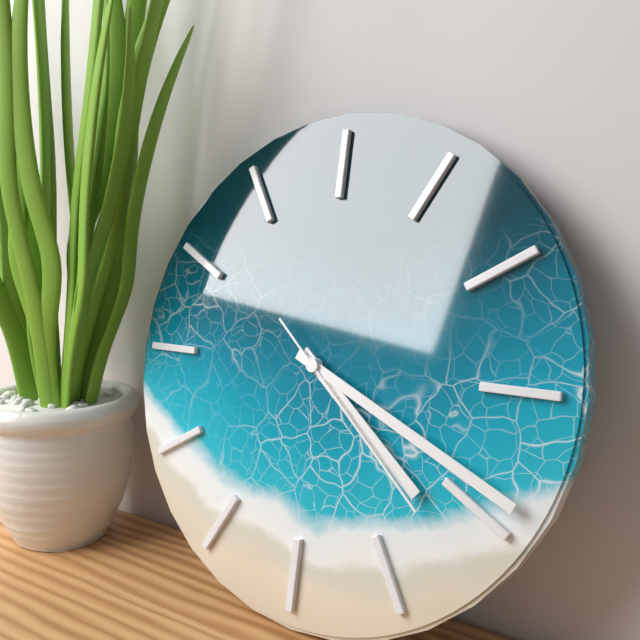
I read 4.19.22
